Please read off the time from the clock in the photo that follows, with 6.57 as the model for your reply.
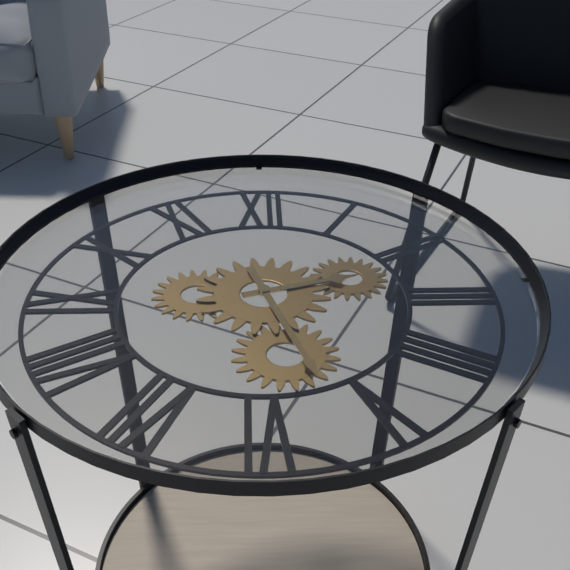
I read 2.27
